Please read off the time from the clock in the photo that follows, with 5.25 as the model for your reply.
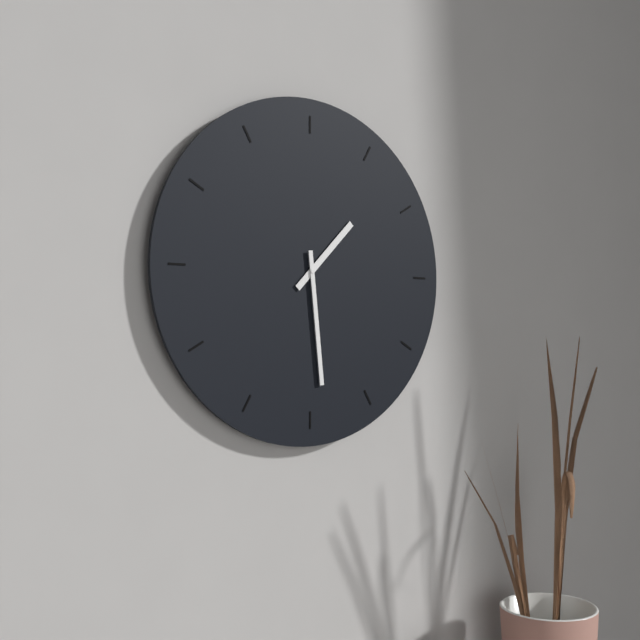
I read 1.29
